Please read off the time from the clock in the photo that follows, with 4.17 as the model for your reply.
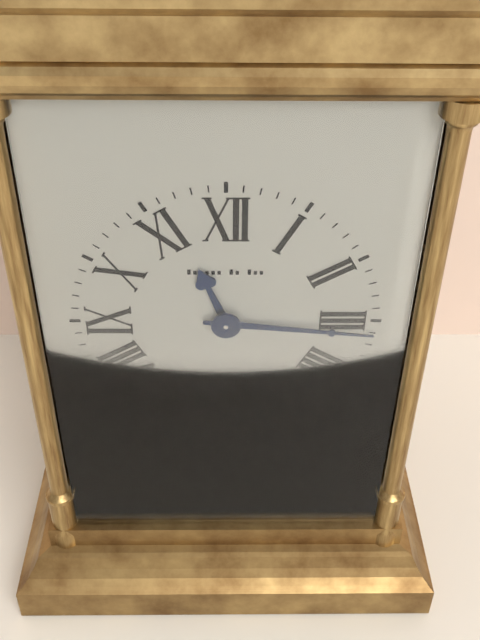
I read 11.16
